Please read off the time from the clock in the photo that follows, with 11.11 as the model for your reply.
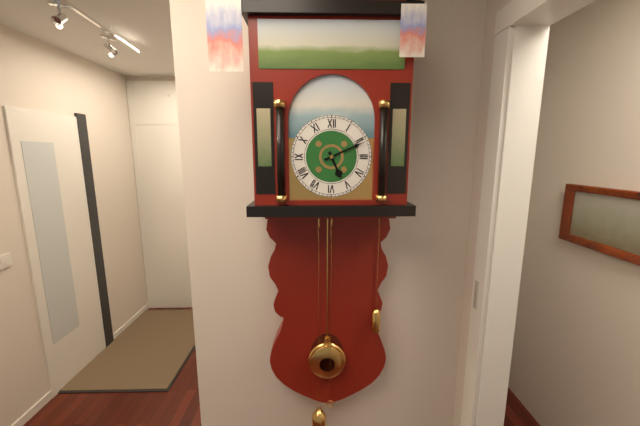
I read 5.11
